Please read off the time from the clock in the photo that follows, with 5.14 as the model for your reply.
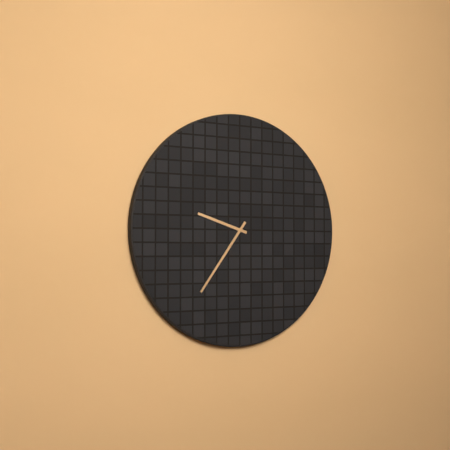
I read 9.36
